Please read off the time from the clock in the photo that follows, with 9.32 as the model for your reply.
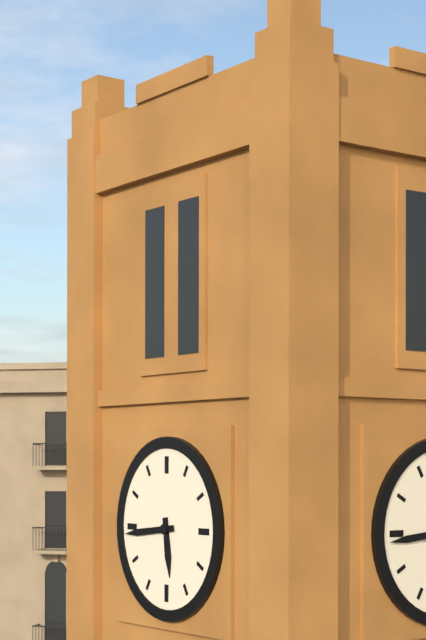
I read 5.44
